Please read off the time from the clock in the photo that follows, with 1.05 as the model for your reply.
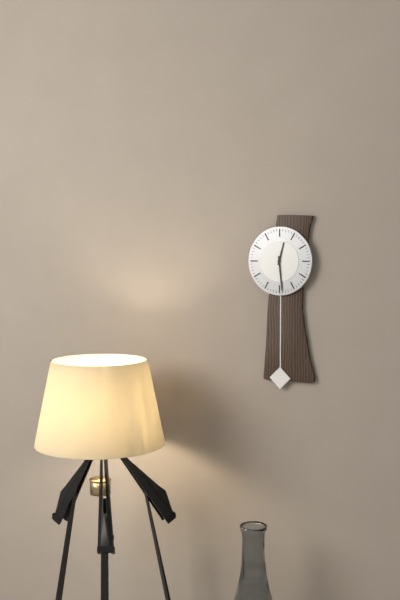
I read 12.29
